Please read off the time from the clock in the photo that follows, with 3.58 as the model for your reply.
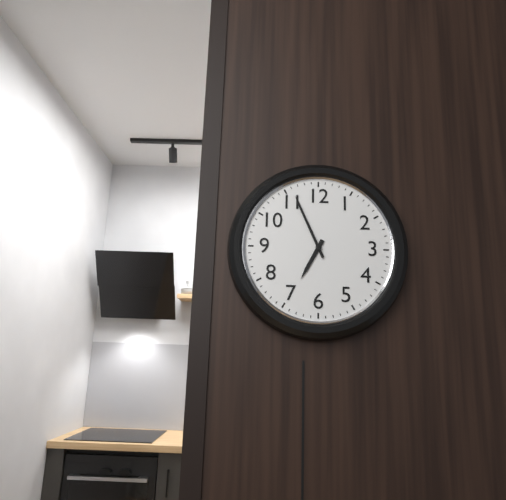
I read 6.56
